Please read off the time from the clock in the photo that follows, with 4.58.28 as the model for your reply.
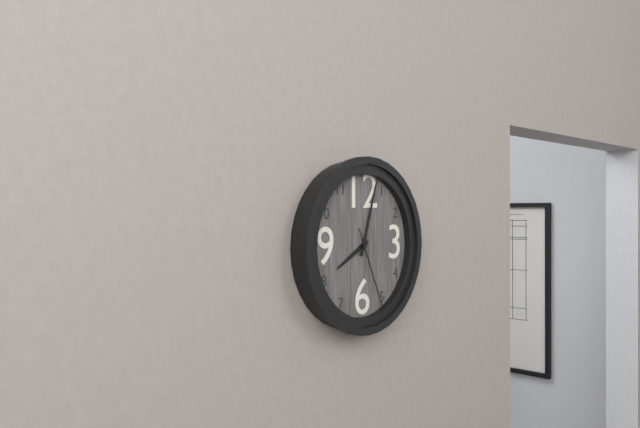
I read 8.03.26
